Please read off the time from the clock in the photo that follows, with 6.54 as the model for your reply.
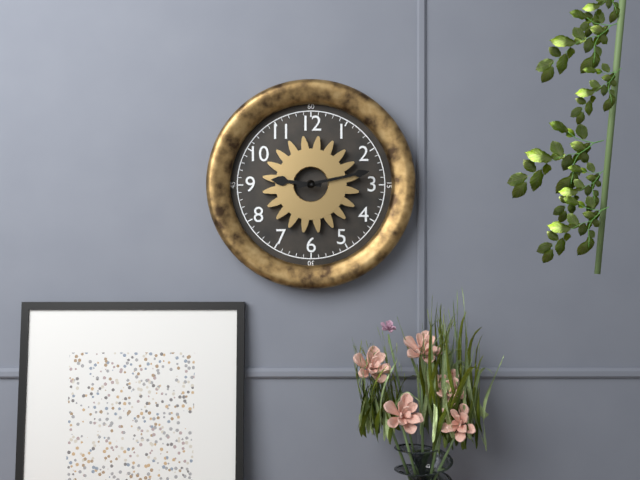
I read 9.13
